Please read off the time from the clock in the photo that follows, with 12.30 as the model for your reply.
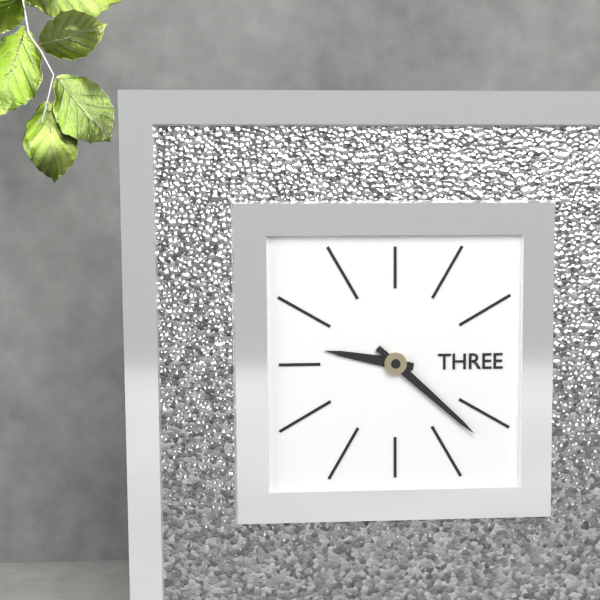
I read 9.22
